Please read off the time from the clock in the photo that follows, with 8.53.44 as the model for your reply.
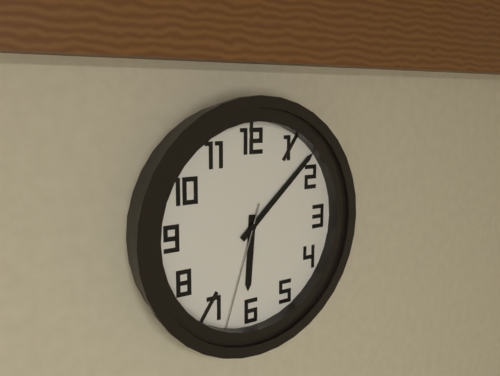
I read 6.08.33
